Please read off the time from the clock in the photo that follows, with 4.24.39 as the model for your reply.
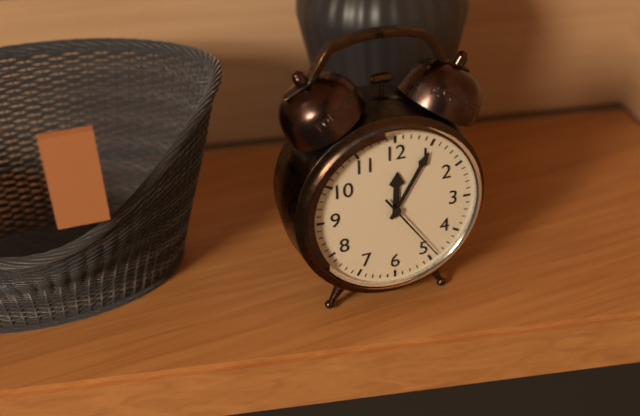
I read 12.05.24
